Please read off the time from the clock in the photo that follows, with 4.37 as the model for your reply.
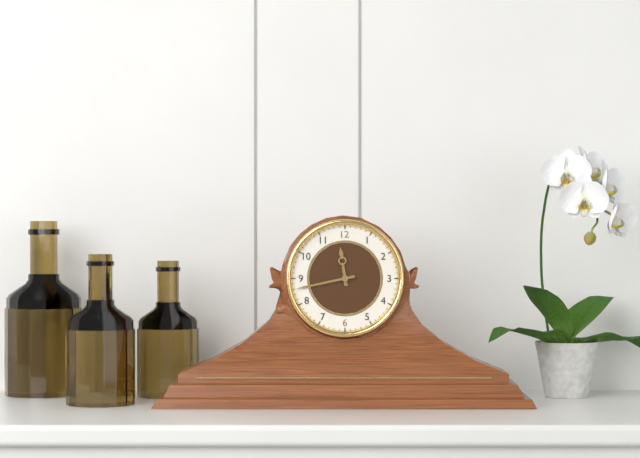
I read 11.43
